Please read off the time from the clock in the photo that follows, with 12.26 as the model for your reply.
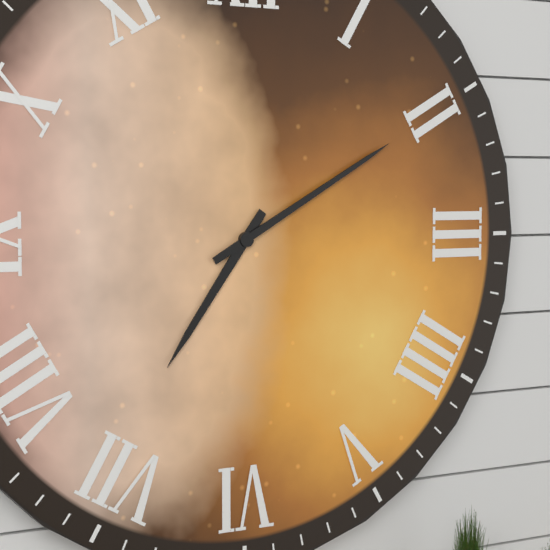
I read 7.10
